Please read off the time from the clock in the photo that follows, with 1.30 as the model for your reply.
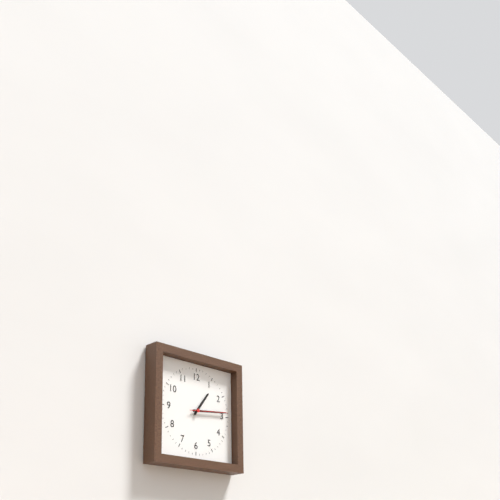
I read 1.14
